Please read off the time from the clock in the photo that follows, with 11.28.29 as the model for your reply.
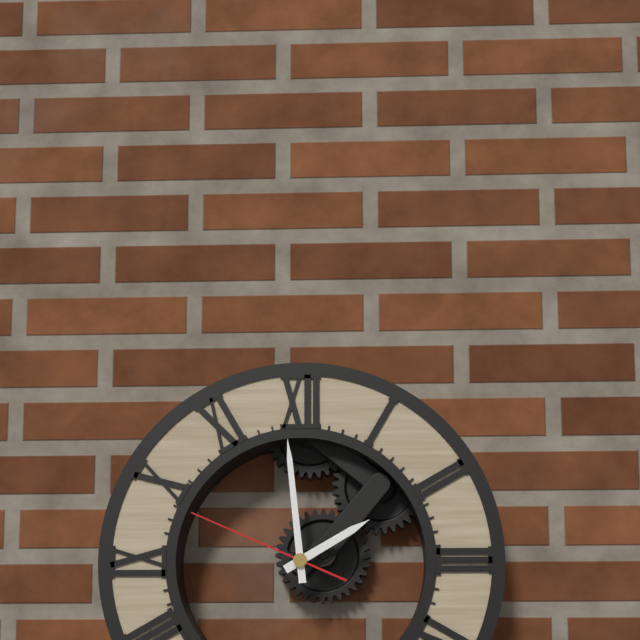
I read 1.59.49
